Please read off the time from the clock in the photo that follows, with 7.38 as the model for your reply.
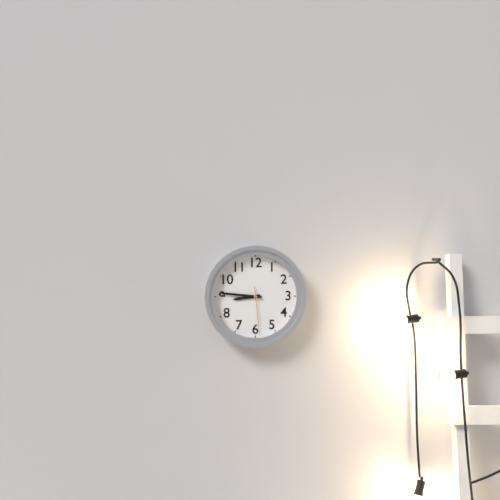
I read 8.46
